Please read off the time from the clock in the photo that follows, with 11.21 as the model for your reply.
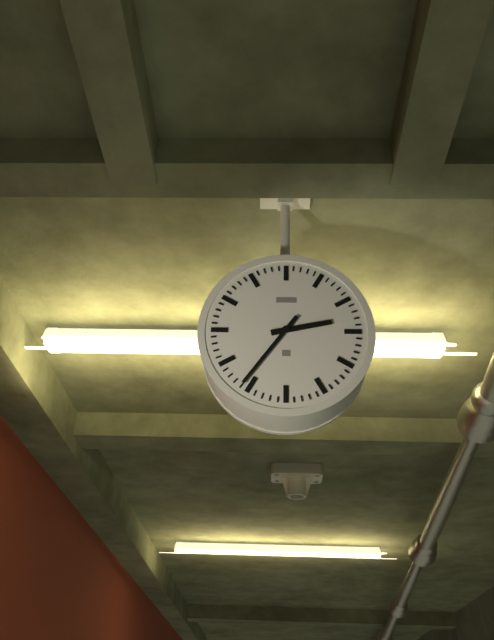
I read 2.36
